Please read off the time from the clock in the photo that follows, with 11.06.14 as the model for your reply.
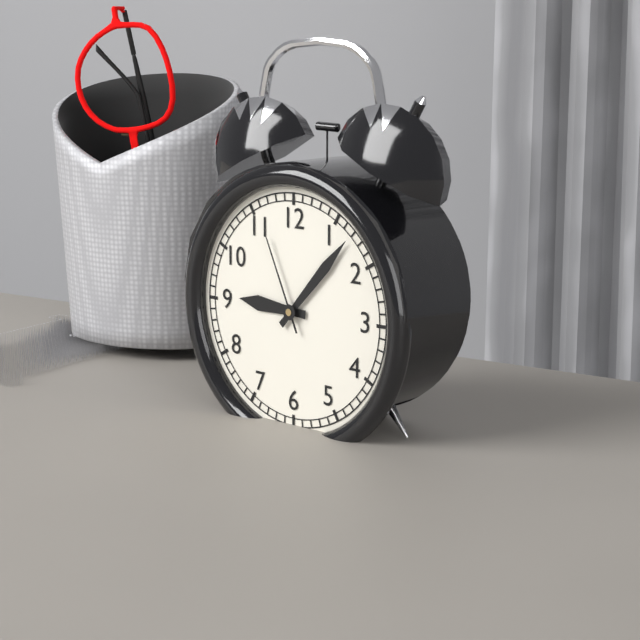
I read 9.07.56
